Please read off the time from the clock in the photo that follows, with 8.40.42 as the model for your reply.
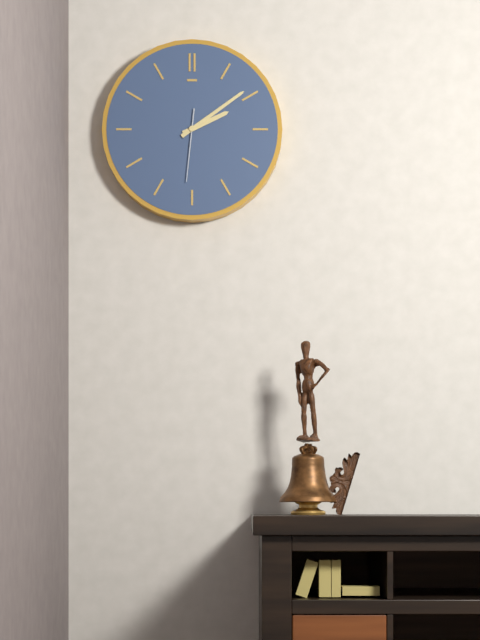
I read 2.09.31
